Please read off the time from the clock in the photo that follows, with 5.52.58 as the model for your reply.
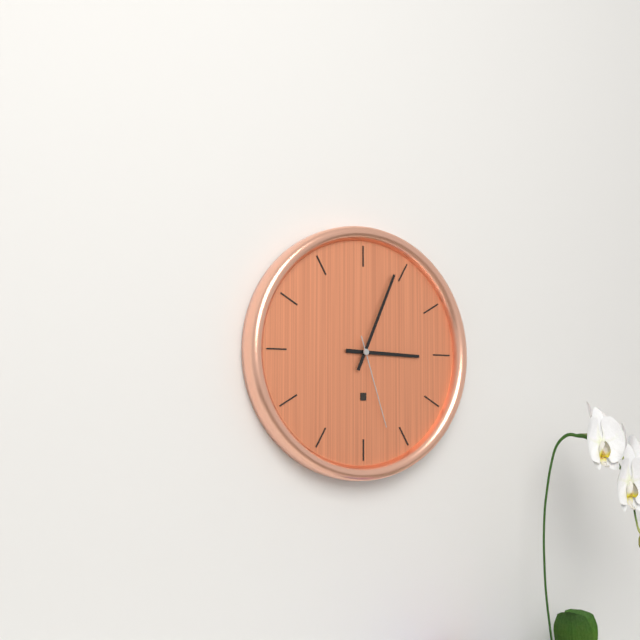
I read 3.04.27
